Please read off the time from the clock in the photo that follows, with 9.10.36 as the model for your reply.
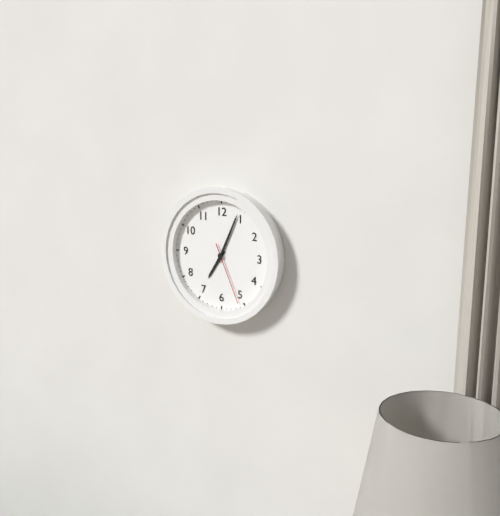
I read 7.04.26
